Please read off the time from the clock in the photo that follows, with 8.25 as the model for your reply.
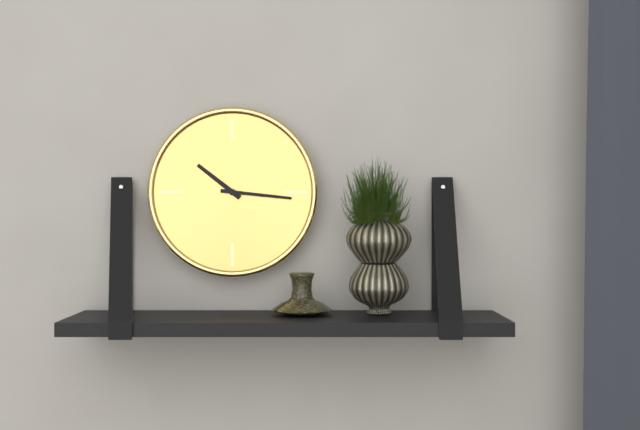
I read 10.16
